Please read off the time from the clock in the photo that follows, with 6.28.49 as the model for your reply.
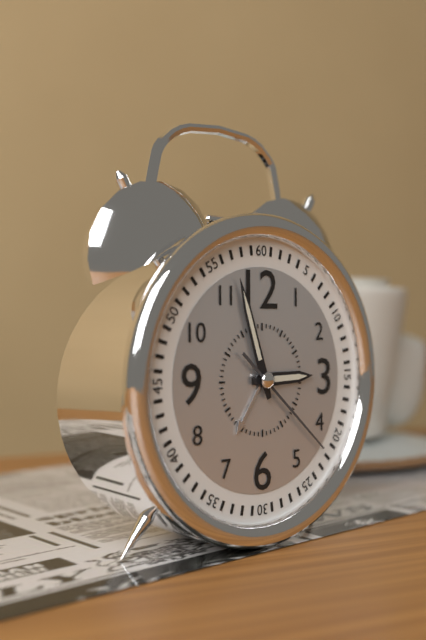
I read 2.57.22
